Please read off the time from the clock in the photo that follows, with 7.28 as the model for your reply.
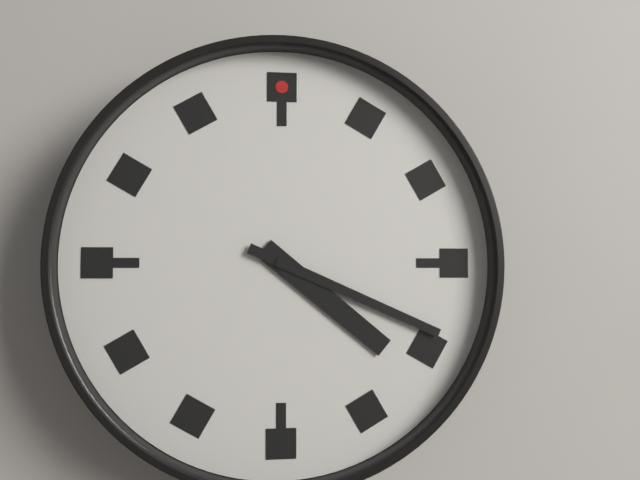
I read 4.19
